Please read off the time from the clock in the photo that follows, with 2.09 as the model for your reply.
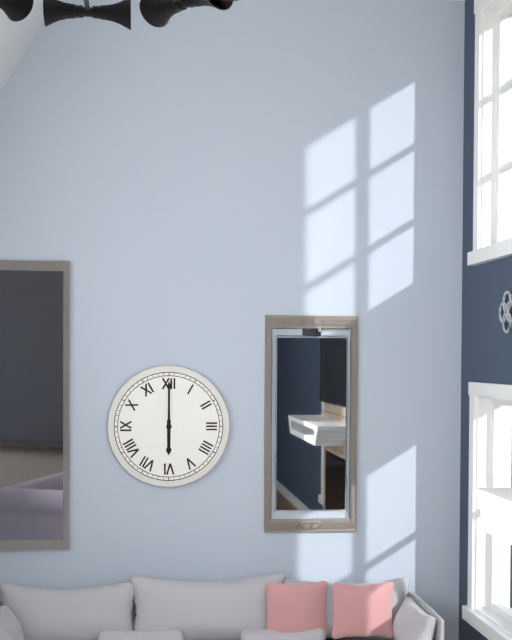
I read 6.00
